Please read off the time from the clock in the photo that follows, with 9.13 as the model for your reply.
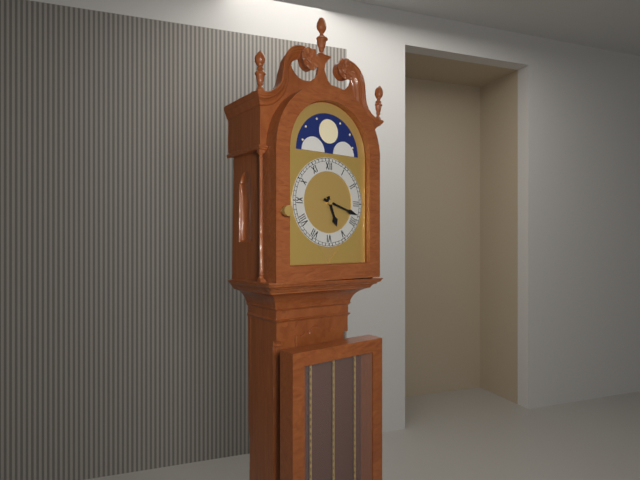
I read 5.18
